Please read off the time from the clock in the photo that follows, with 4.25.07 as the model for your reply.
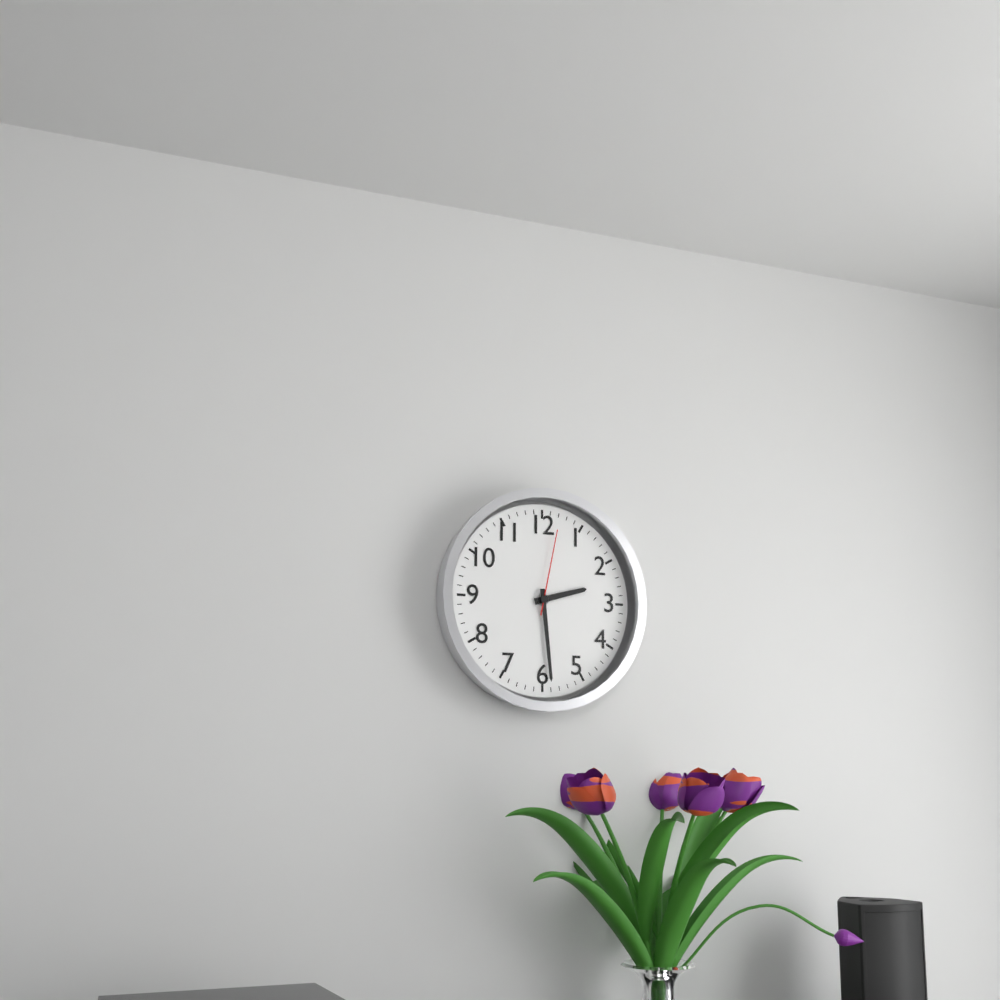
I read 2.29.02
